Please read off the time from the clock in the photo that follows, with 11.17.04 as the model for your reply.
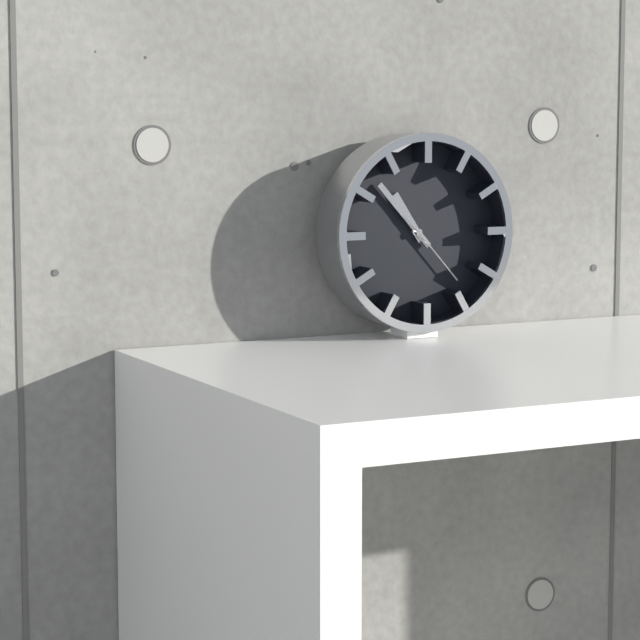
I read 10.53.23
